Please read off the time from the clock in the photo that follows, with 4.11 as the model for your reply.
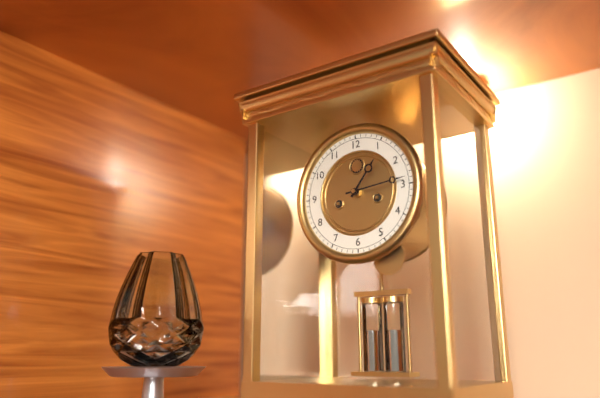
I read 1.14
